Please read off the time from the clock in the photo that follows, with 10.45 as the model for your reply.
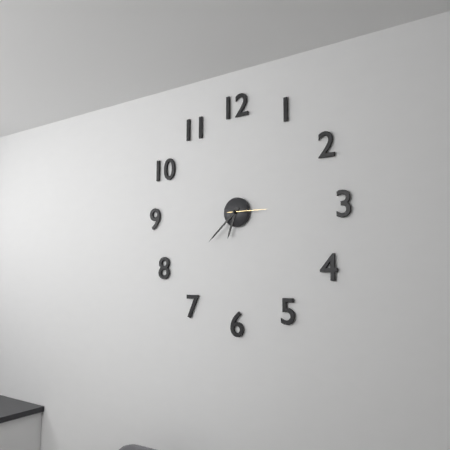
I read 6.38
